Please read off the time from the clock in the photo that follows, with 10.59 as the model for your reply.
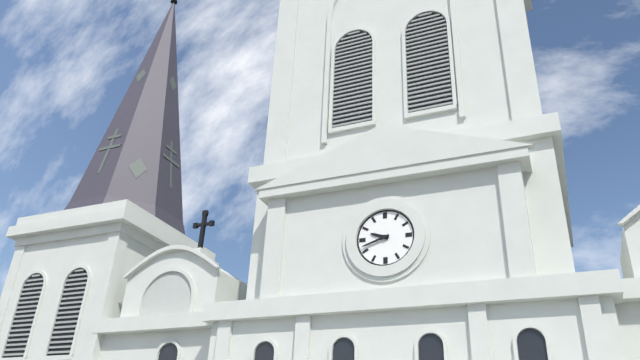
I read 9.42
